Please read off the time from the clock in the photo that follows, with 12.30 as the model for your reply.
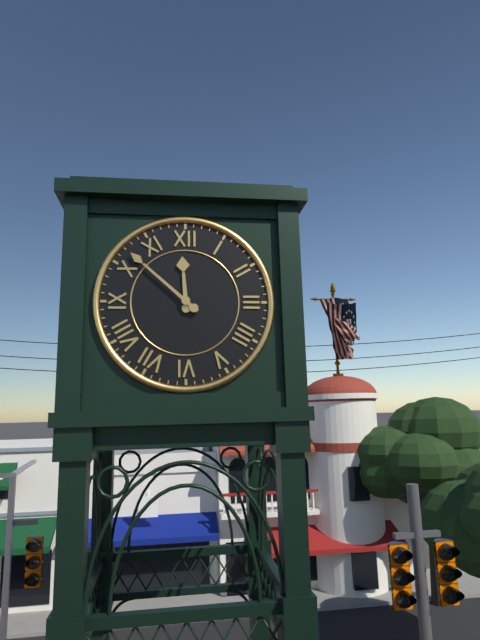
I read 11.52
